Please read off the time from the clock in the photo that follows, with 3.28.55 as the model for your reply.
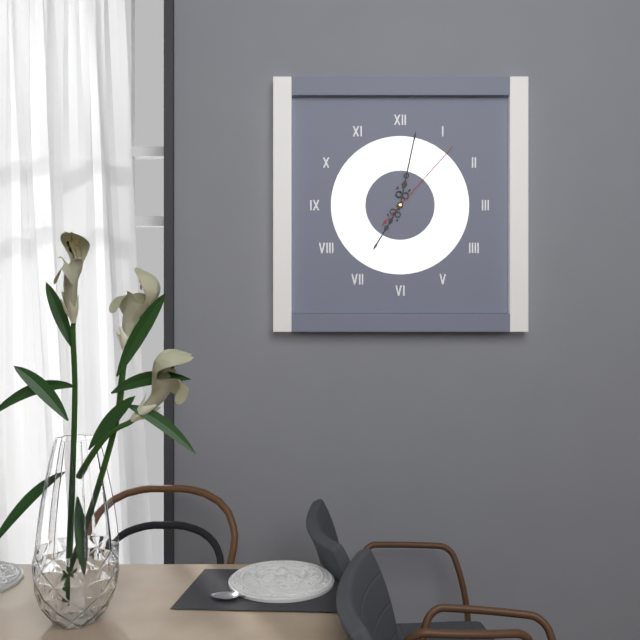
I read 7.02.07
